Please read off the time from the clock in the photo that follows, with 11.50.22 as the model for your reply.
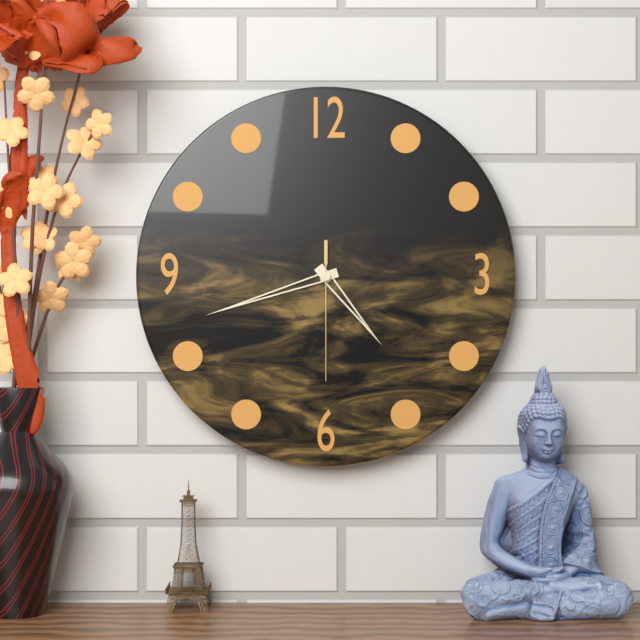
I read 4.42.30
